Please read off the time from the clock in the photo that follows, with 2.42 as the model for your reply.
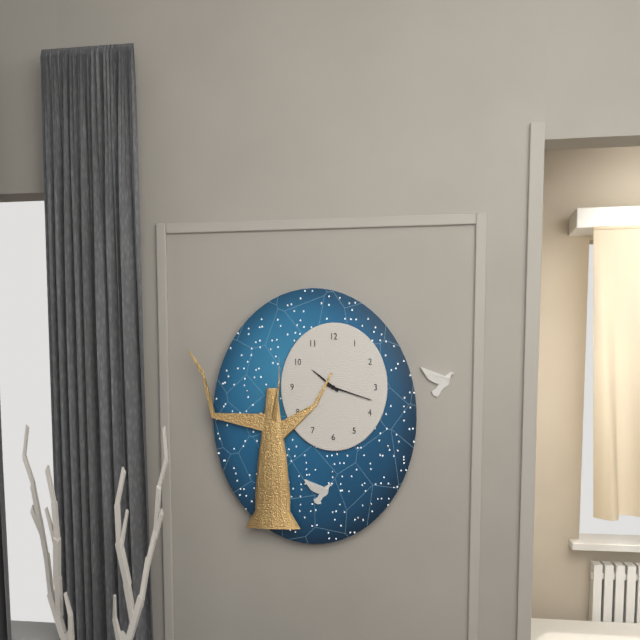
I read 10.18
